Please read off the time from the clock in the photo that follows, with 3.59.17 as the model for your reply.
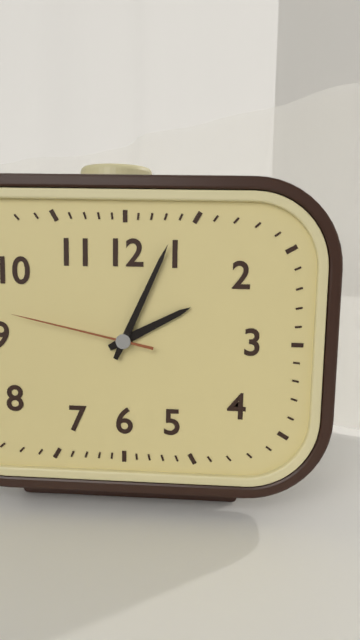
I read 2.04.47
